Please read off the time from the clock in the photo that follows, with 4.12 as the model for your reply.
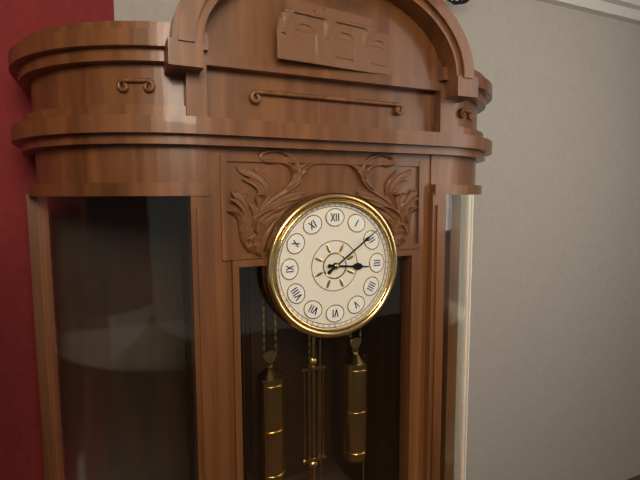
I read 3.09
